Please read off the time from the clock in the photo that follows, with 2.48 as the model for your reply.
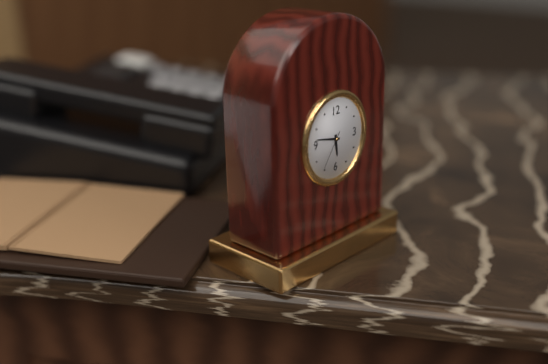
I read 5.47
